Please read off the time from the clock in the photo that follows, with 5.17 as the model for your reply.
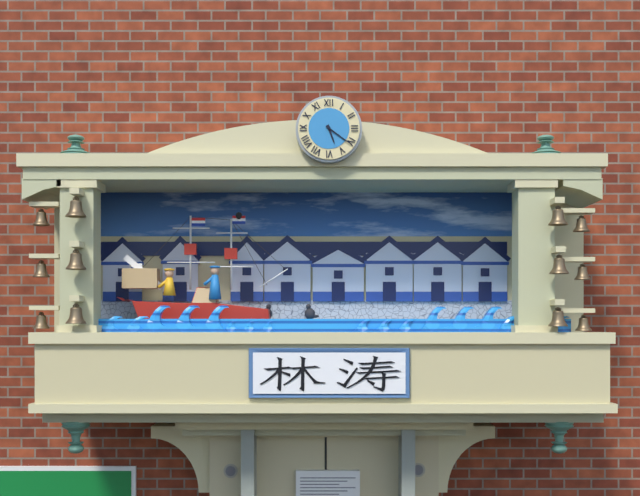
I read 5.21
